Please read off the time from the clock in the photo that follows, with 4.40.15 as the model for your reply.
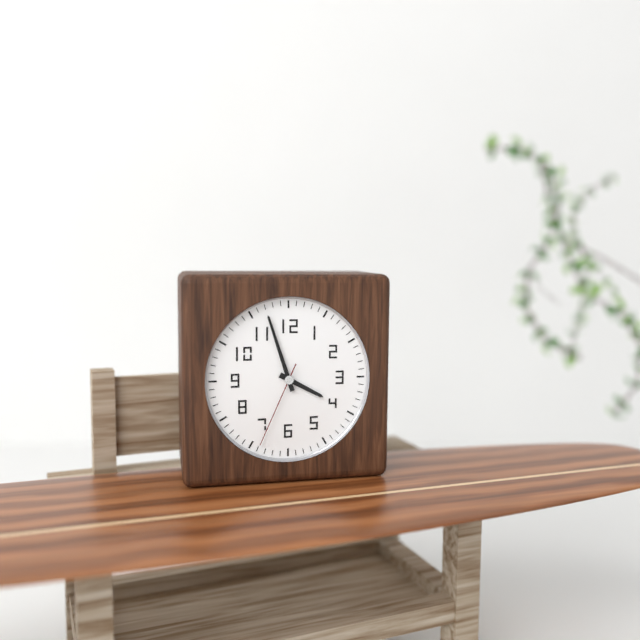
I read 3.57.34
